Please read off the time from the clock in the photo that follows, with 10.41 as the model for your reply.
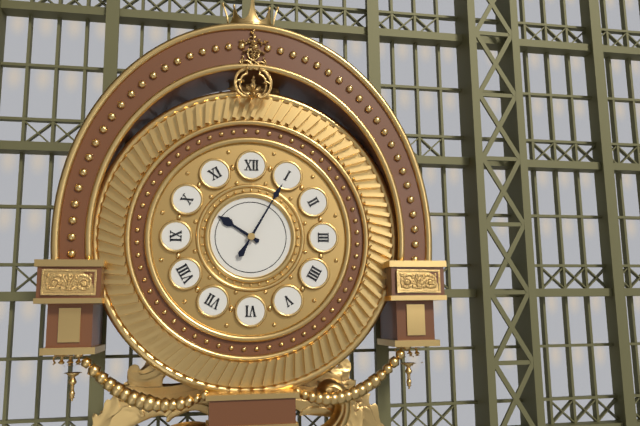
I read 10.05
